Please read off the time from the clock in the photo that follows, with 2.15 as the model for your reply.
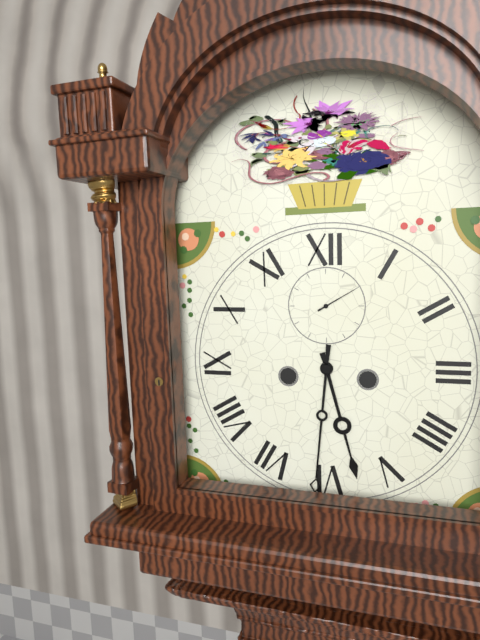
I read 5.31
